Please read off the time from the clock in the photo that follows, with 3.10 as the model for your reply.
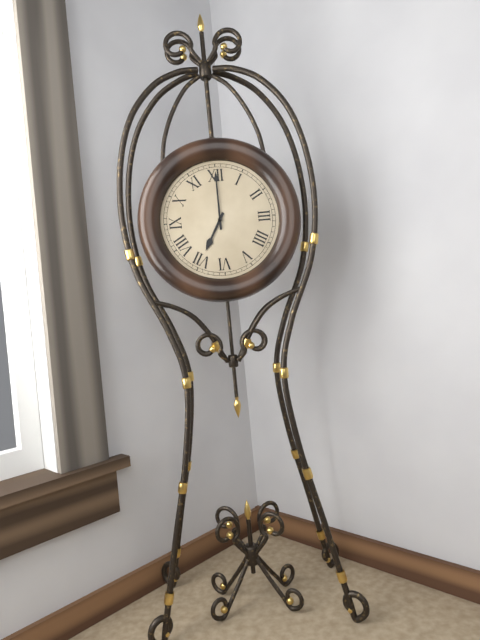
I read 7.00
